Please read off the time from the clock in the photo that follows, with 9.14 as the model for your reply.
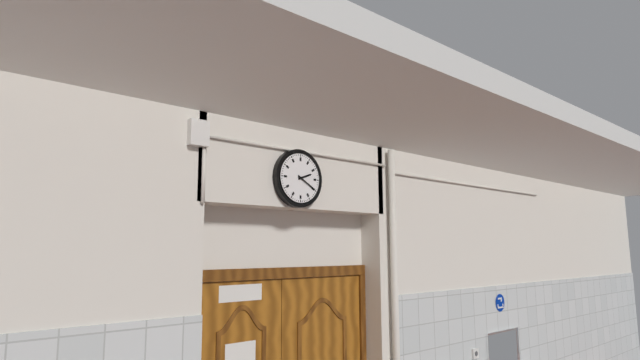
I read 2.20
